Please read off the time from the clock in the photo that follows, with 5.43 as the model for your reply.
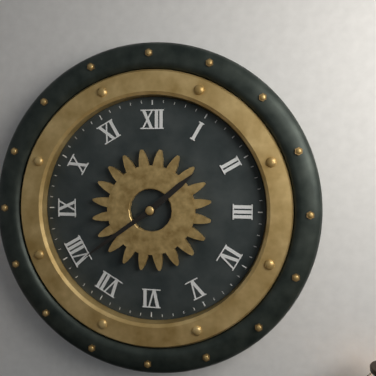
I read 1.39
